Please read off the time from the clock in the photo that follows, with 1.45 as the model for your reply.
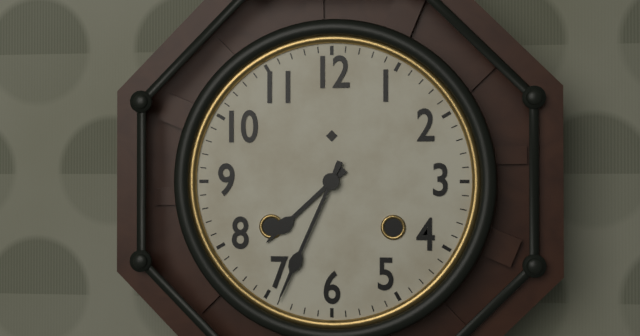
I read 7.34
